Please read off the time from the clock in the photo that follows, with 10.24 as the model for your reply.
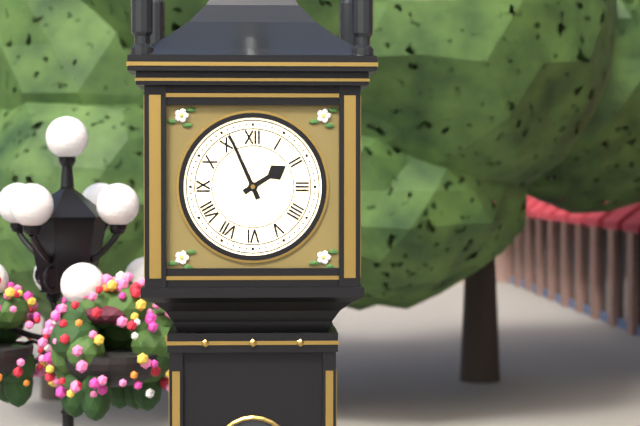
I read 1.56
